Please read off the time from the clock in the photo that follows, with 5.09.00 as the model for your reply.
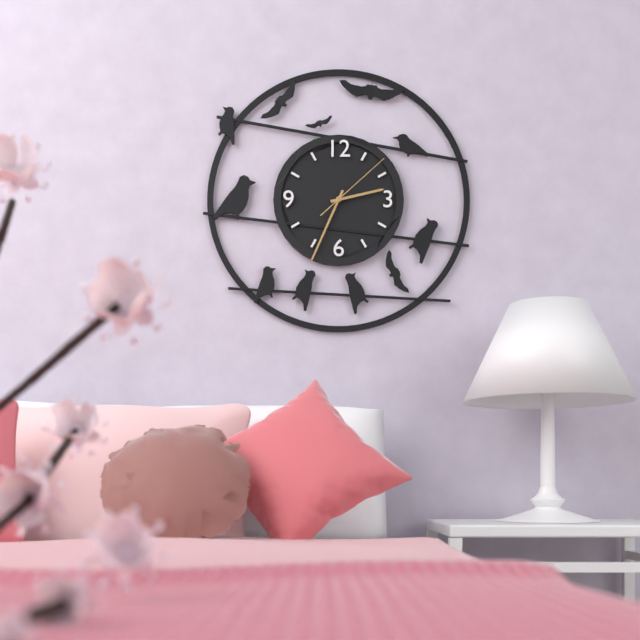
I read 2.34.08
